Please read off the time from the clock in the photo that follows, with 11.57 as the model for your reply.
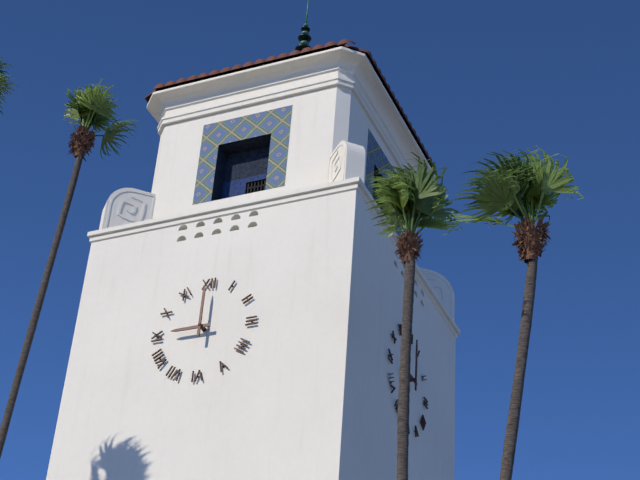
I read 9.00
